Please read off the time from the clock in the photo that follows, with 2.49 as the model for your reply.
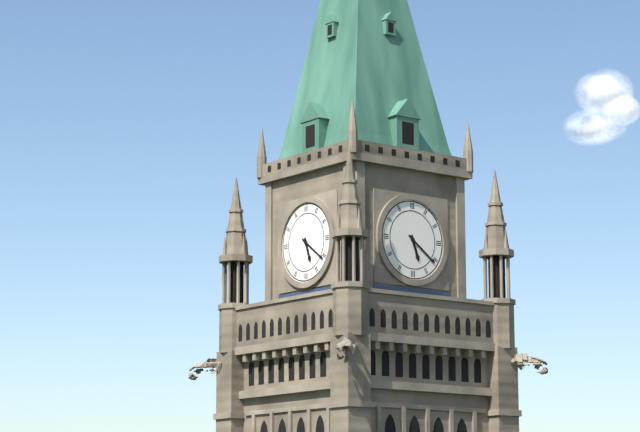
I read 5.21
